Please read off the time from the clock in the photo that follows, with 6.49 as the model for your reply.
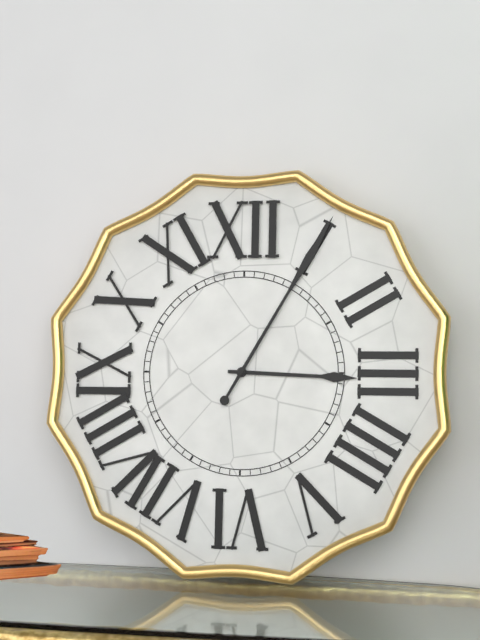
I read 3.05
